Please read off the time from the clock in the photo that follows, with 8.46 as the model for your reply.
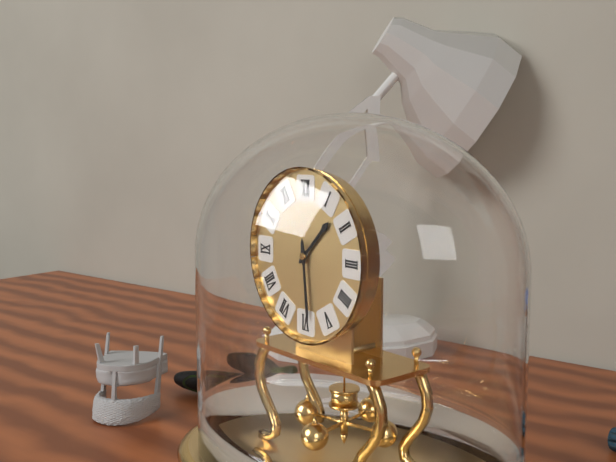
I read 1.29
